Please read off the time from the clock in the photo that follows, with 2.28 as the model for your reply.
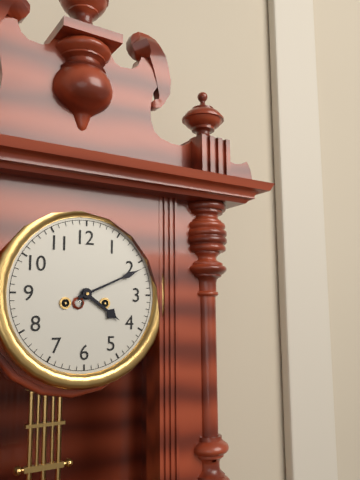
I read 4.11
